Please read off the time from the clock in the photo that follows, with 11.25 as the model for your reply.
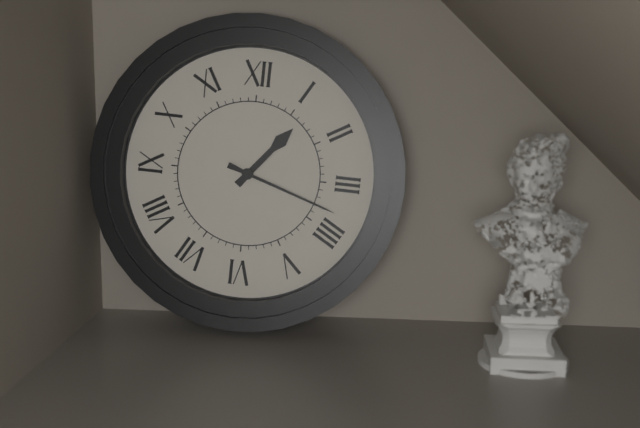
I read 1.18
